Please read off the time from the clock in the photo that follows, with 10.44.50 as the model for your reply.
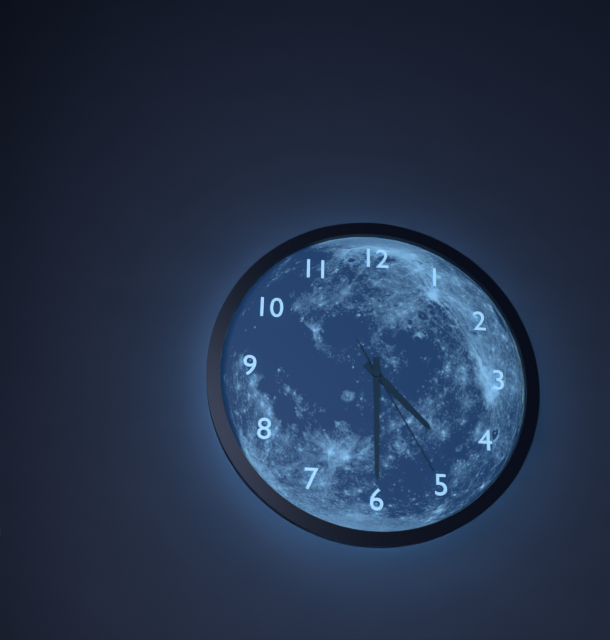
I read 4.30.25
